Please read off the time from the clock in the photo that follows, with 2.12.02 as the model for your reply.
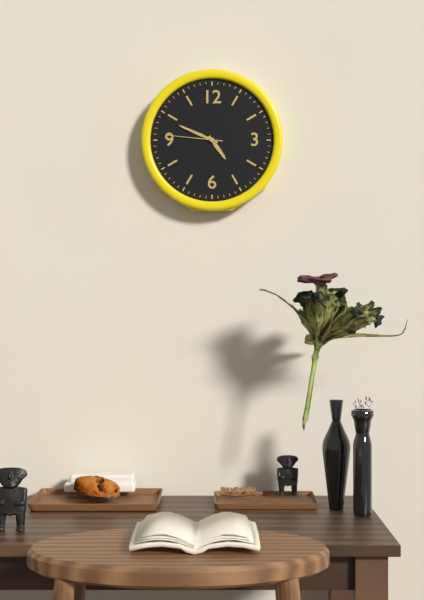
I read 4.49.46
